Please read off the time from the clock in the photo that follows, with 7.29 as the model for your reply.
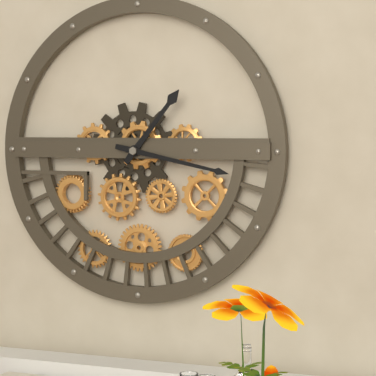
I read 1.17
